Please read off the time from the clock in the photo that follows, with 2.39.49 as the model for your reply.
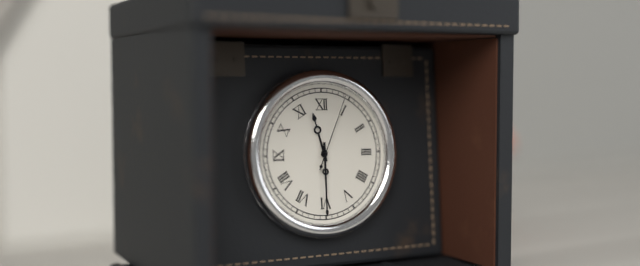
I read 11.30.04
